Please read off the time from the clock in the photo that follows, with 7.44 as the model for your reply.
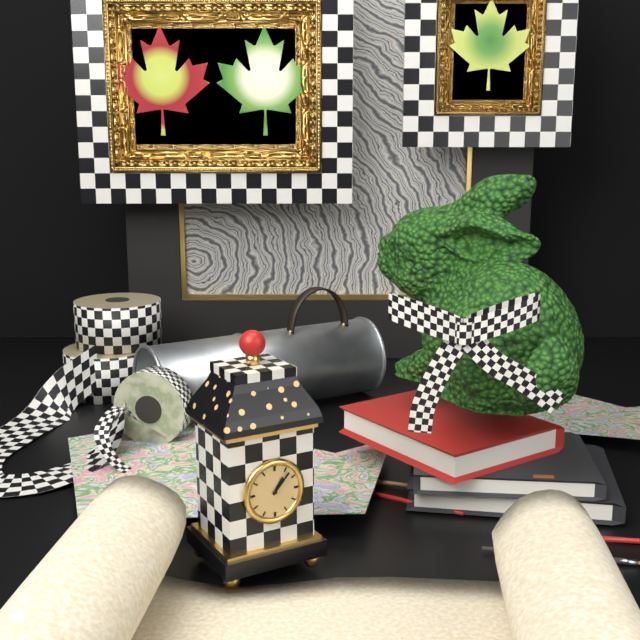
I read 1.07
